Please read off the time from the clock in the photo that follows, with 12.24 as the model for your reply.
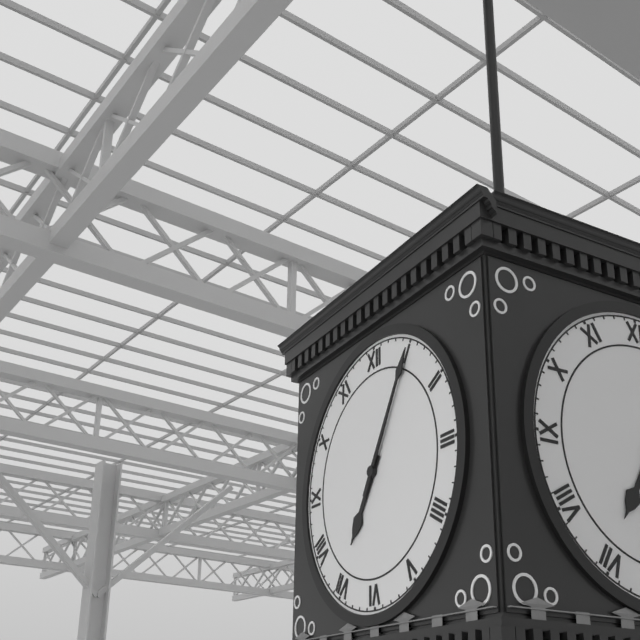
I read 7.05
